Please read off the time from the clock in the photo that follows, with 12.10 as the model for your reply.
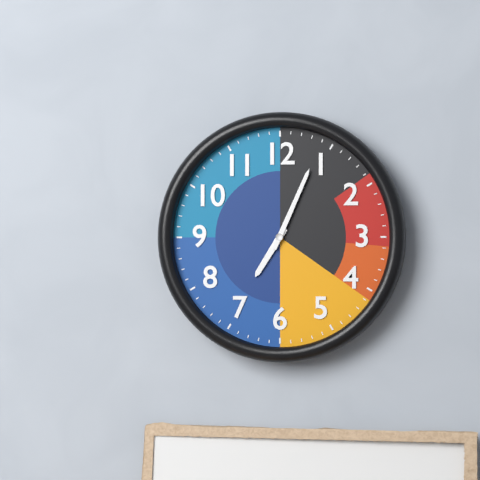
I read 7.04
